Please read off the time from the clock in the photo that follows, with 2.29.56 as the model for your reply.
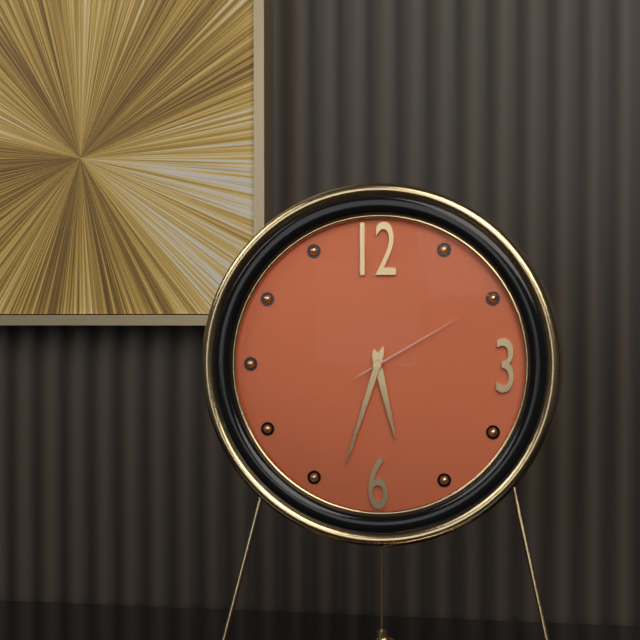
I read 5.33.10
